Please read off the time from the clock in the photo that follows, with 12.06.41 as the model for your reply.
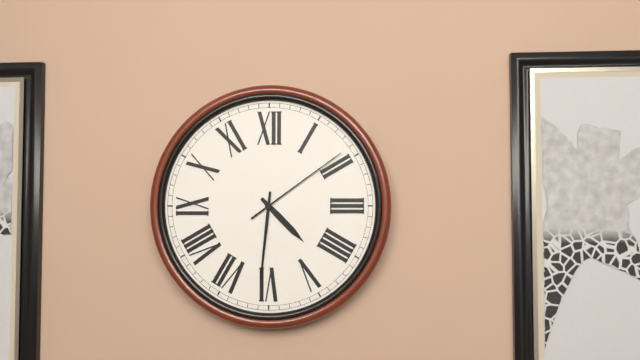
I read 4.31.09
